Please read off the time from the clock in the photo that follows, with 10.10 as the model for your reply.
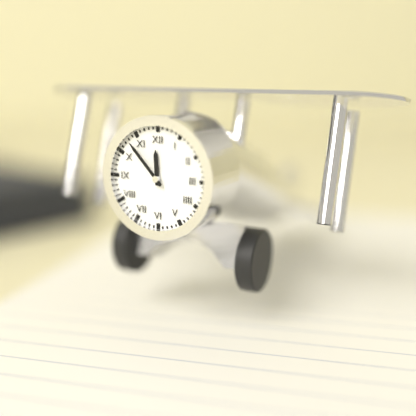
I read 11.53
